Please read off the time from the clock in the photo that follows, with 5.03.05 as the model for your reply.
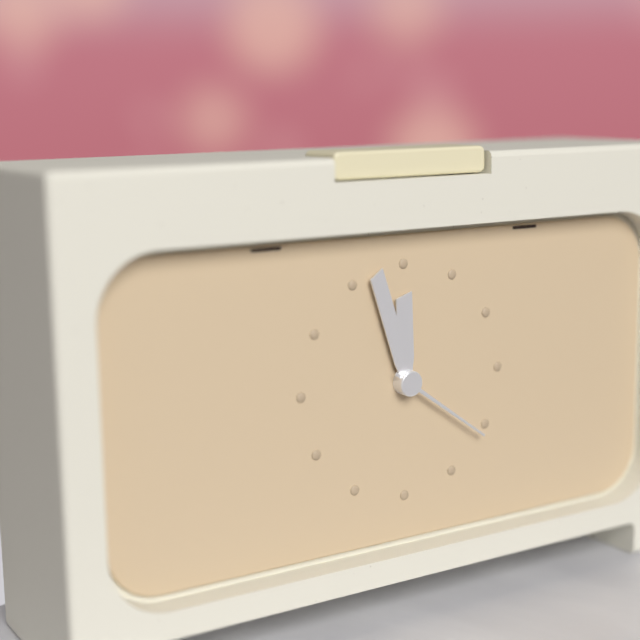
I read 11.57.21
